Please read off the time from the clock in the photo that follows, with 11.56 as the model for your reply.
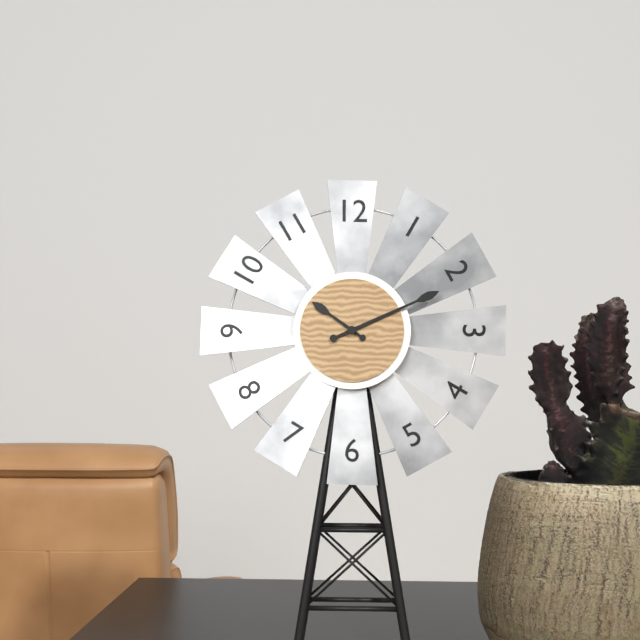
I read 10.11
